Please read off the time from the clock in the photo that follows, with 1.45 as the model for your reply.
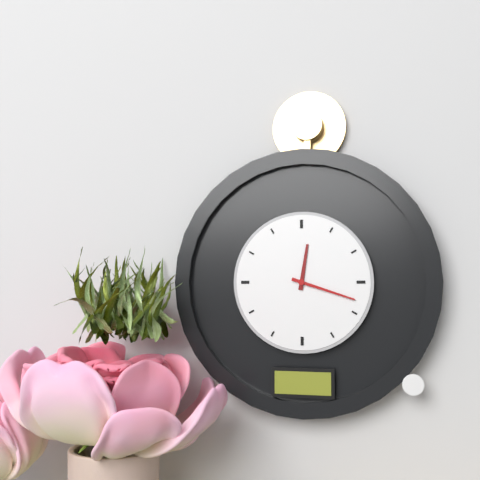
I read 12.18
